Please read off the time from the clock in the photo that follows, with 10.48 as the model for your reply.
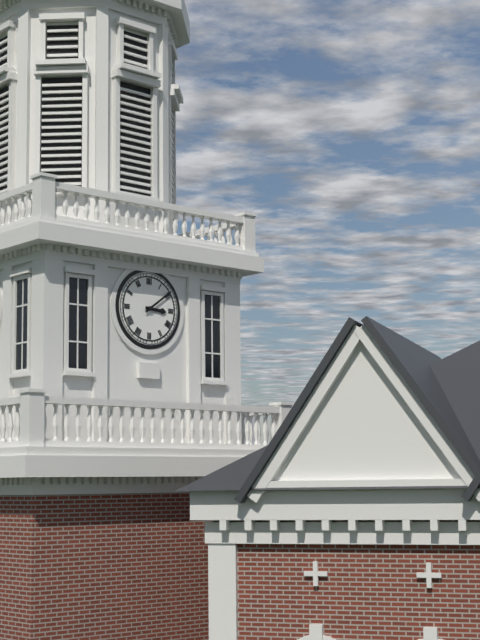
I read 3.09
